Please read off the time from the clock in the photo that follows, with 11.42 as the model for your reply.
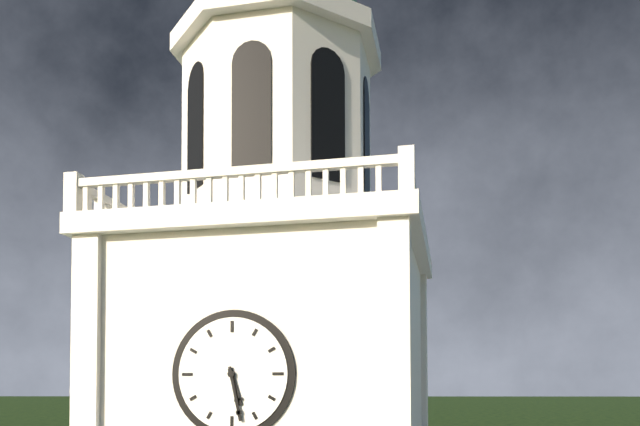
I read 5.28
